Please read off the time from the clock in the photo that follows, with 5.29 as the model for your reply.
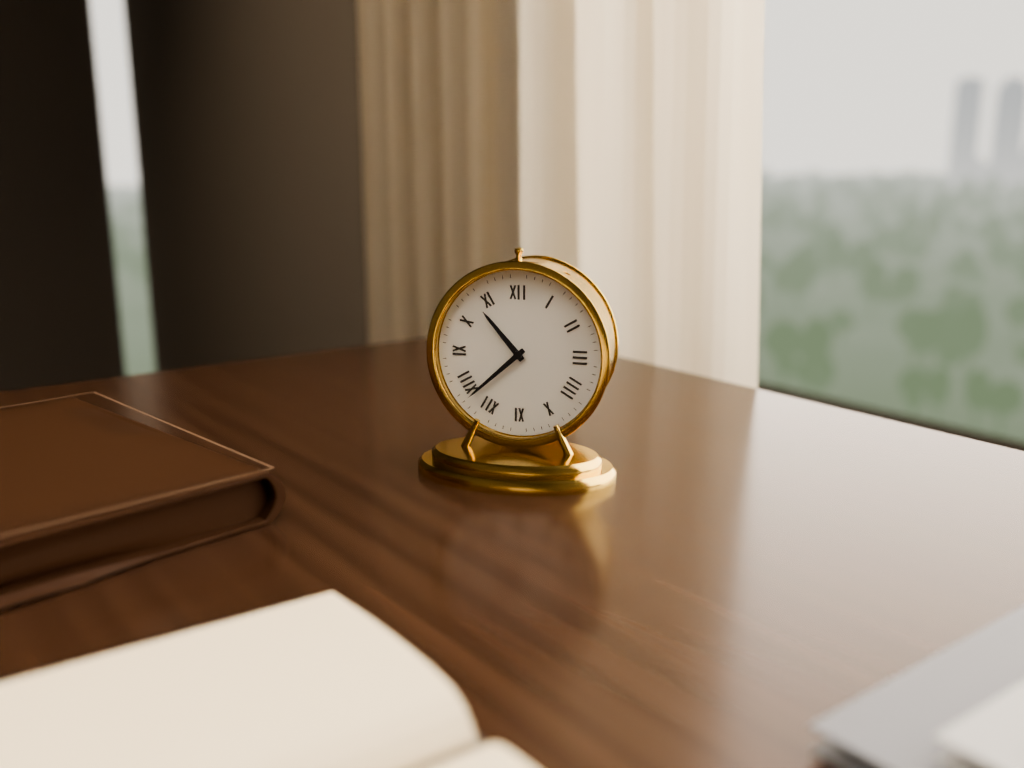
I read 10.38
